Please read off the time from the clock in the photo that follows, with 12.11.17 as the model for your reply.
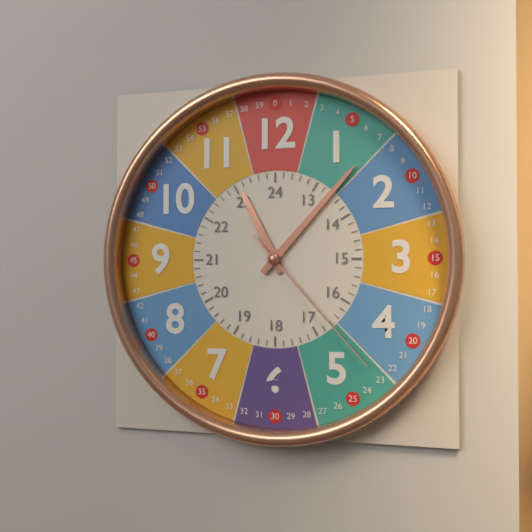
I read 11.07.23
